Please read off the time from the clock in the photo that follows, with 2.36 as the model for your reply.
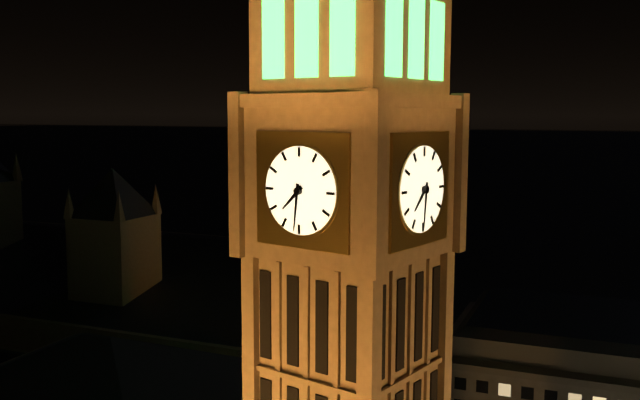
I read 7.31
